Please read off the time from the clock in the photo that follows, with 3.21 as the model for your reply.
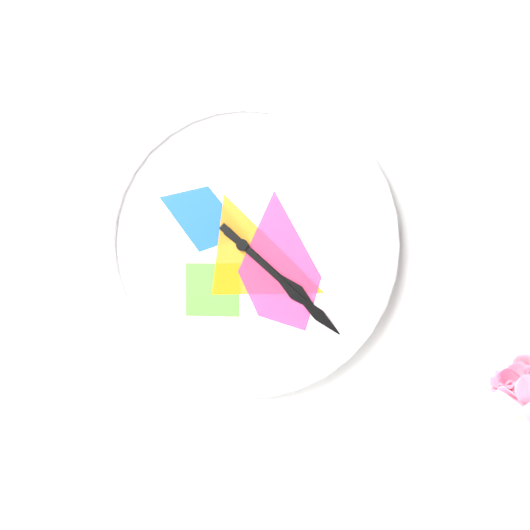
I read 4.22
